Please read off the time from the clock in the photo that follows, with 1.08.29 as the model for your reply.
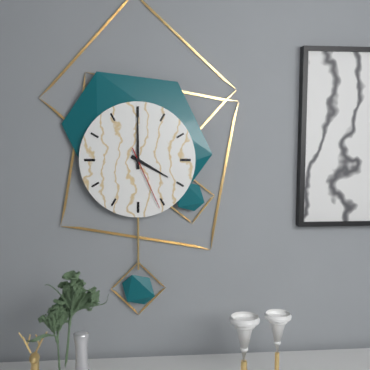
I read 4.00.26
